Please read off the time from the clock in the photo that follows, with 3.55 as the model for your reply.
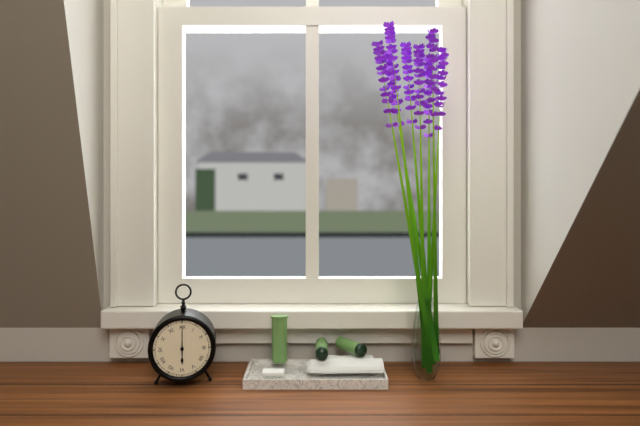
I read 6.00
